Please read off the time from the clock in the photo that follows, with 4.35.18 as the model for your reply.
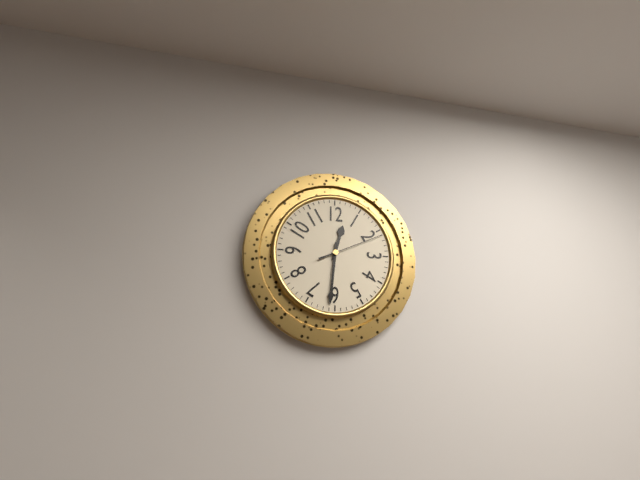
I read 12.31.11
